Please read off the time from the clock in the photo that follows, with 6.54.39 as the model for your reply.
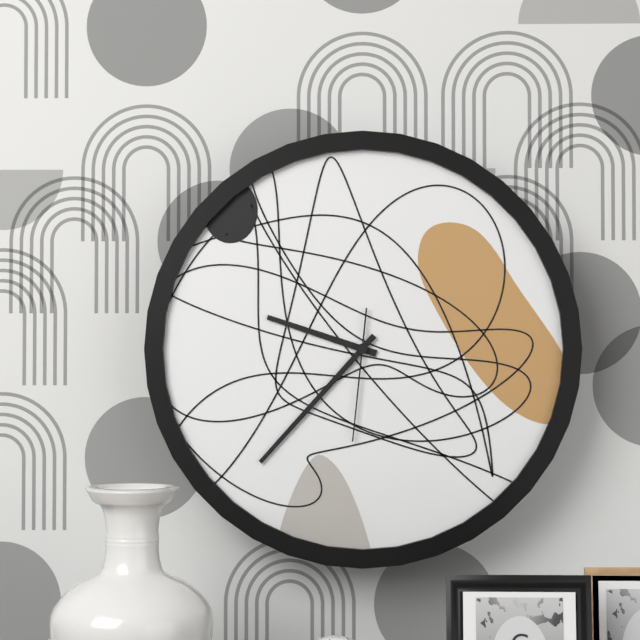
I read 9.37.31
